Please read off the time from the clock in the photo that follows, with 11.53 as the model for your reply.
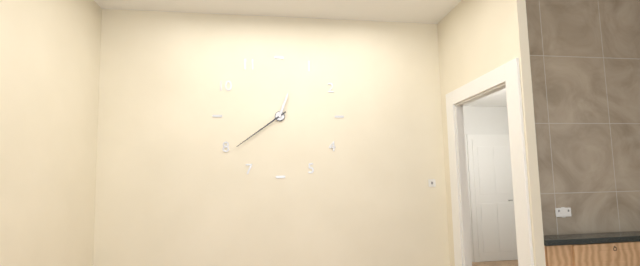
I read 12.39
